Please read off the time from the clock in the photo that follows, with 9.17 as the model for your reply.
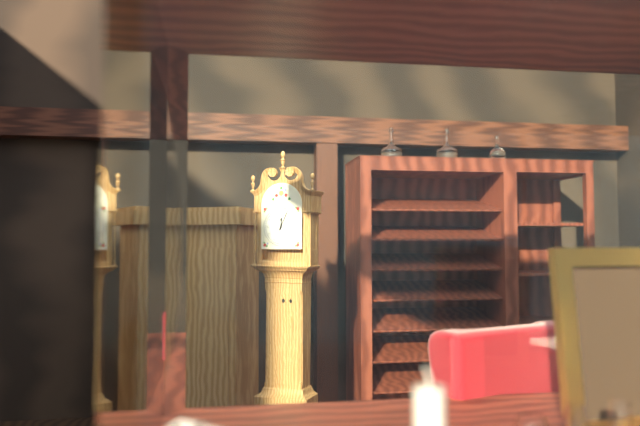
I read 12.04
